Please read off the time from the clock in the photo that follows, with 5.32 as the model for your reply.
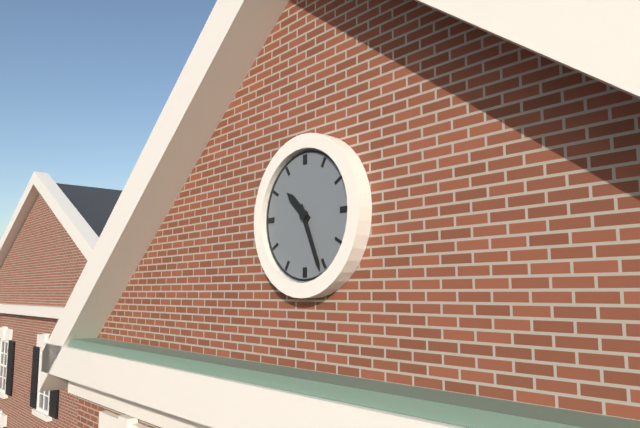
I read 10.26
